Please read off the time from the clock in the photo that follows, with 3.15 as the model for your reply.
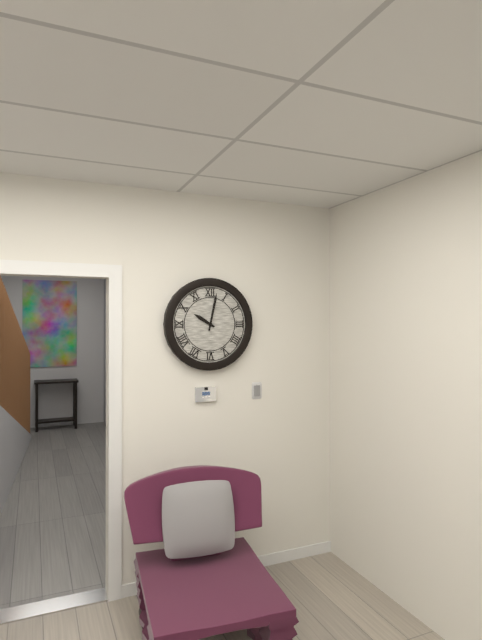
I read 10.02
